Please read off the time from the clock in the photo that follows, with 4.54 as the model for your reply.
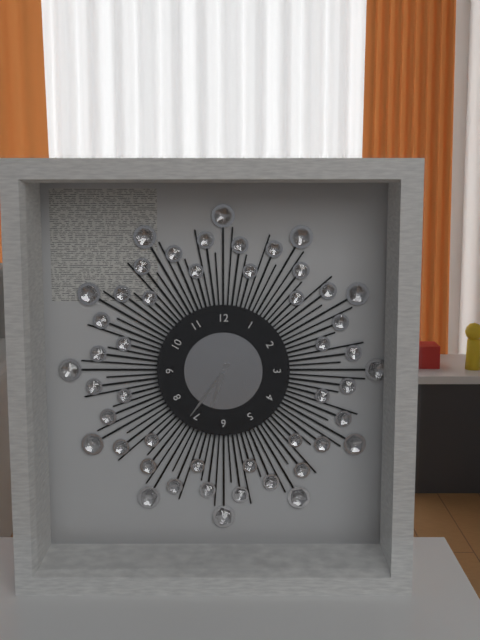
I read 6.36
